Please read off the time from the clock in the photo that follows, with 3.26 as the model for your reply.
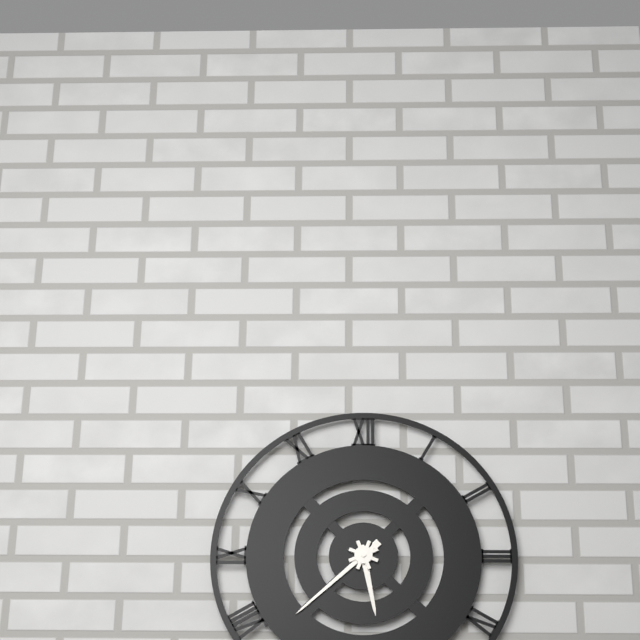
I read 5.38
